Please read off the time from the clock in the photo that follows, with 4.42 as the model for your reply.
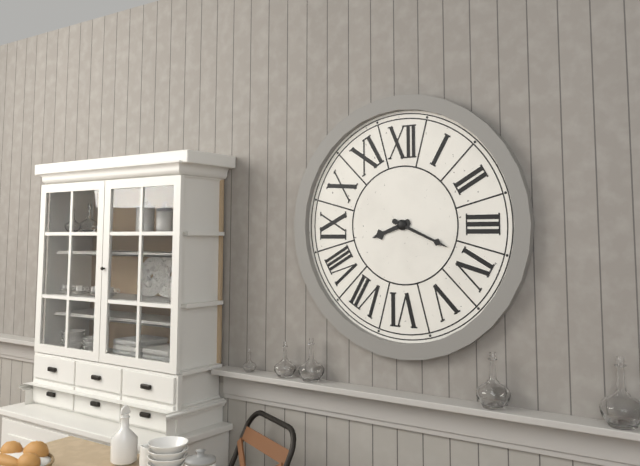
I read 8.19
